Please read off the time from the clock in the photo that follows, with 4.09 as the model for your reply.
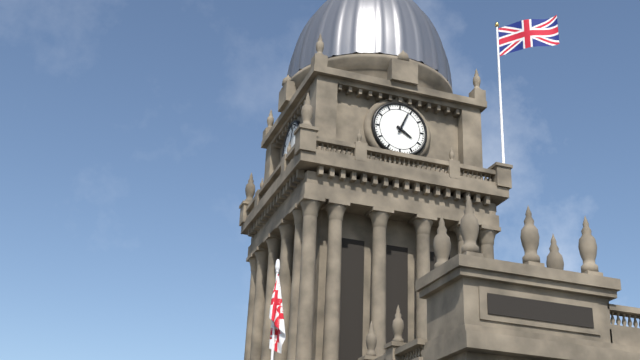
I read 4.04
